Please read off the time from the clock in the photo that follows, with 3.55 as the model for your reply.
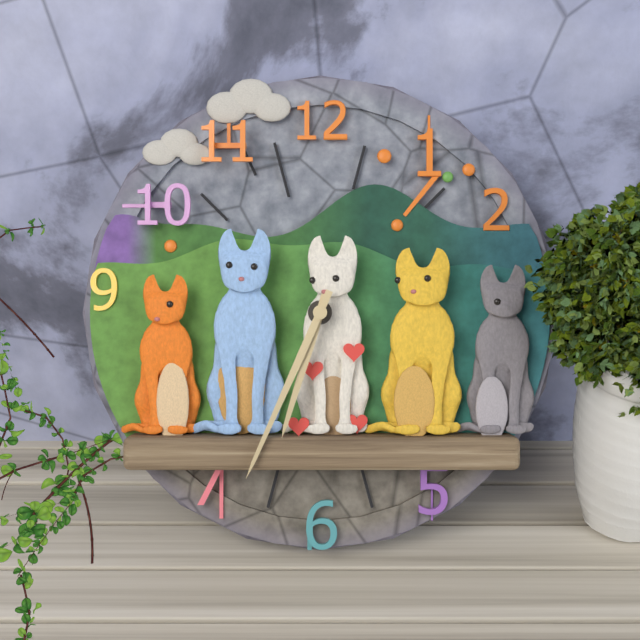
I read 6.34
